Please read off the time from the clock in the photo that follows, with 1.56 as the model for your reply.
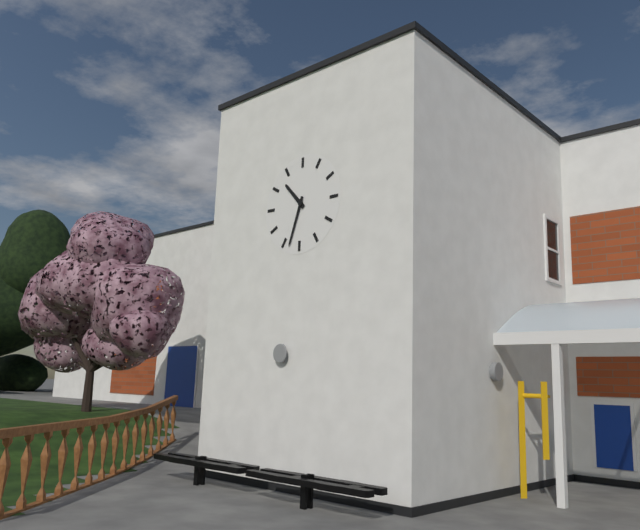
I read 10.33
